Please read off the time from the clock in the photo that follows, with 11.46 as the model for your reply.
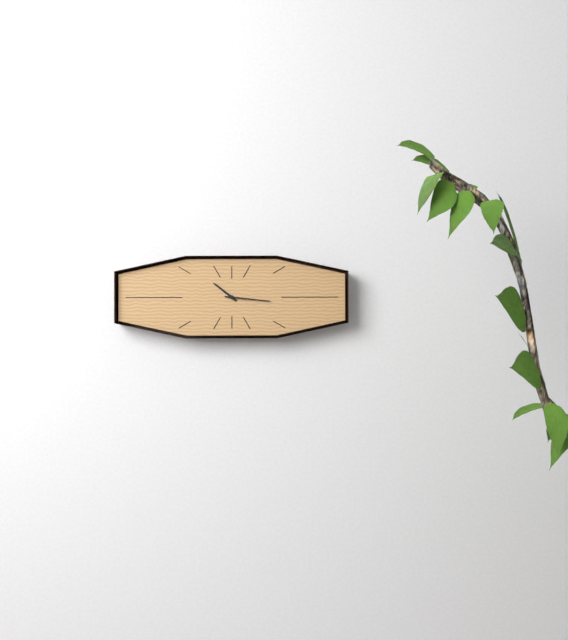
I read 10.16
